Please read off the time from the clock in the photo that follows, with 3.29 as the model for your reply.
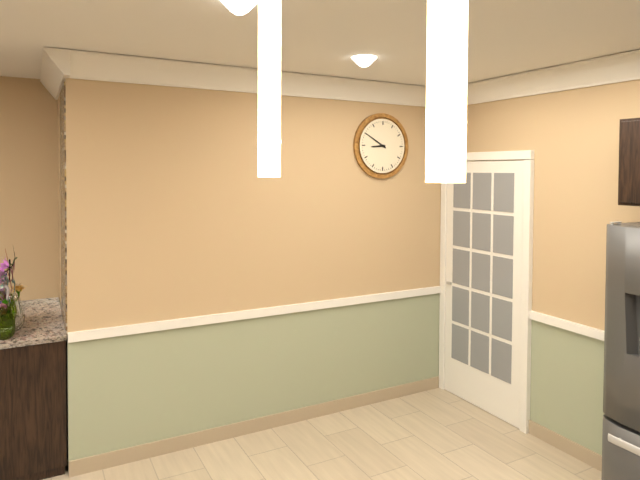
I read 8.50
